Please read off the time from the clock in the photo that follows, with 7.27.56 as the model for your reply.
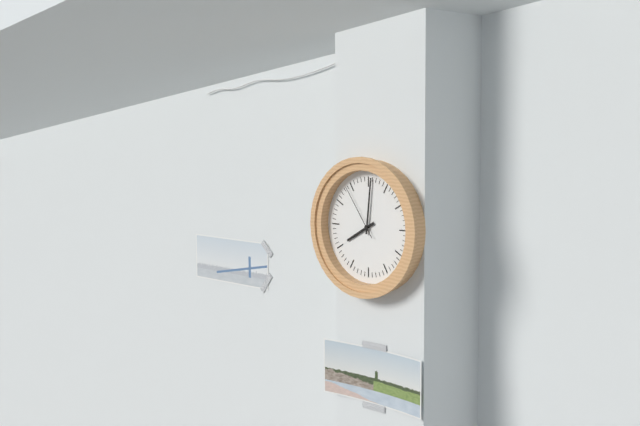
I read 8.01.54
